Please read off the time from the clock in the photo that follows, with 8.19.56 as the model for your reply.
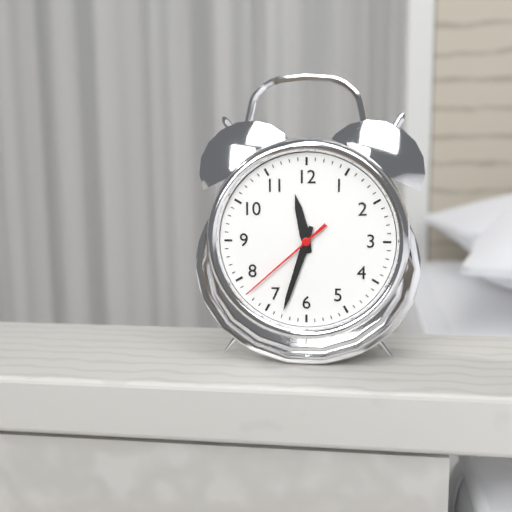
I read 11.33.38
